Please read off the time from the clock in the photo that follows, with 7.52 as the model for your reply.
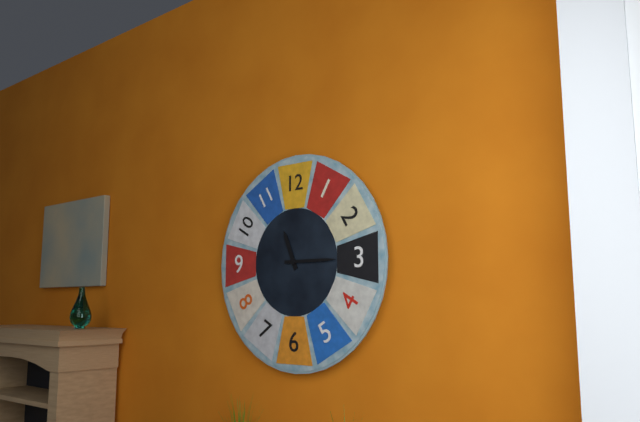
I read 11.15
